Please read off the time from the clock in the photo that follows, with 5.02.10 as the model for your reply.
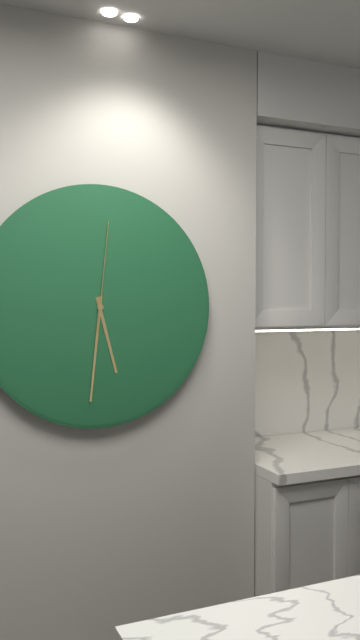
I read 5.31.01
